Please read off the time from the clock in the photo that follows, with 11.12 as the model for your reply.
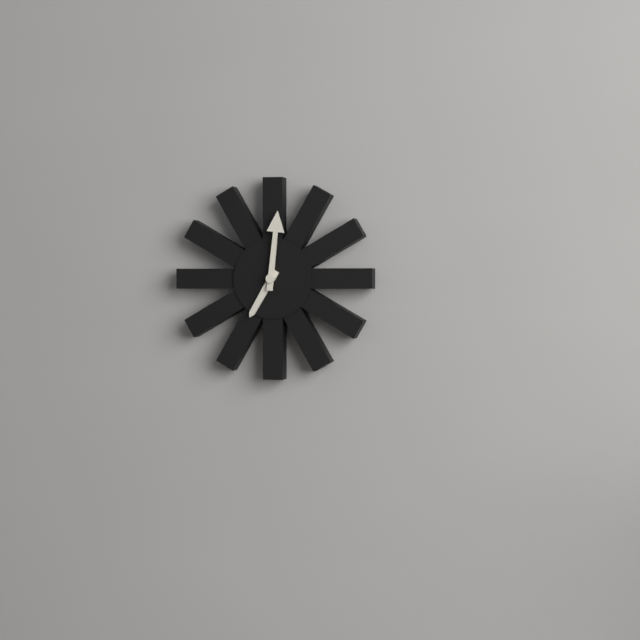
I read 7.01
